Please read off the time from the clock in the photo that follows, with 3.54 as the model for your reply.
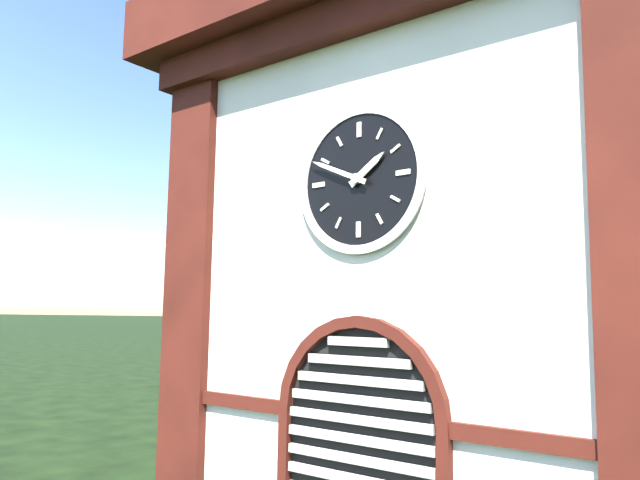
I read 1.49
